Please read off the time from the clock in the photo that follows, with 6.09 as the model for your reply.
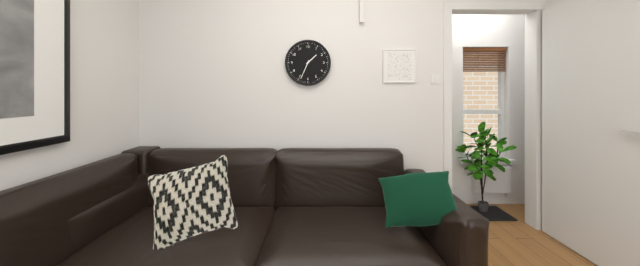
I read 1.34
